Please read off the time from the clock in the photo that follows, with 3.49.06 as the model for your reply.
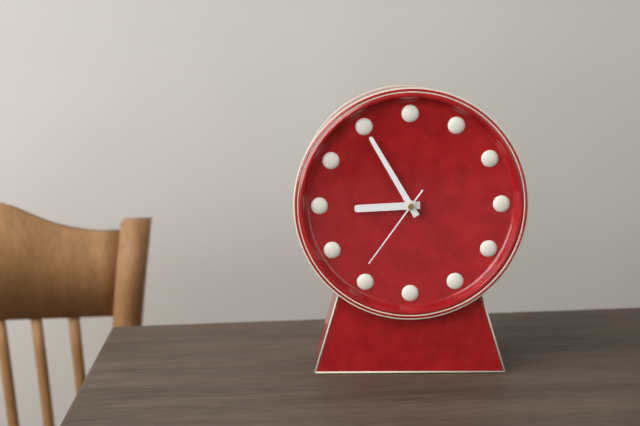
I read 8.55.36
